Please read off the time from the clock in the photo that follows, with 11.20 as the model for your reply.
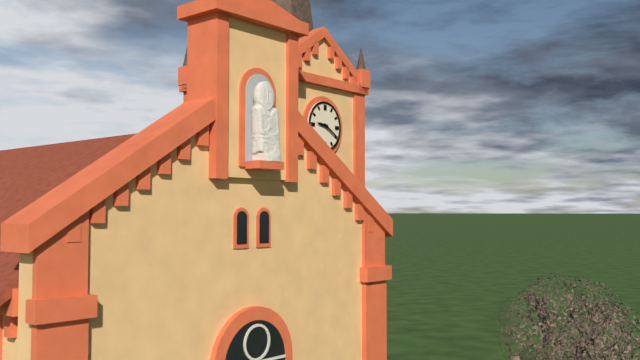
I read 9.20
